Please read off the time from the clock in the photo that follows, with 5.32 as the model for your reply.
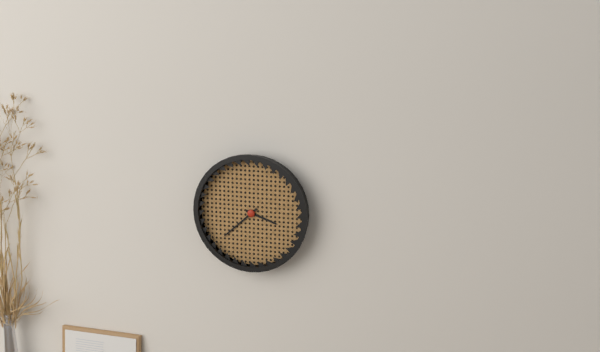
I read 3.38
